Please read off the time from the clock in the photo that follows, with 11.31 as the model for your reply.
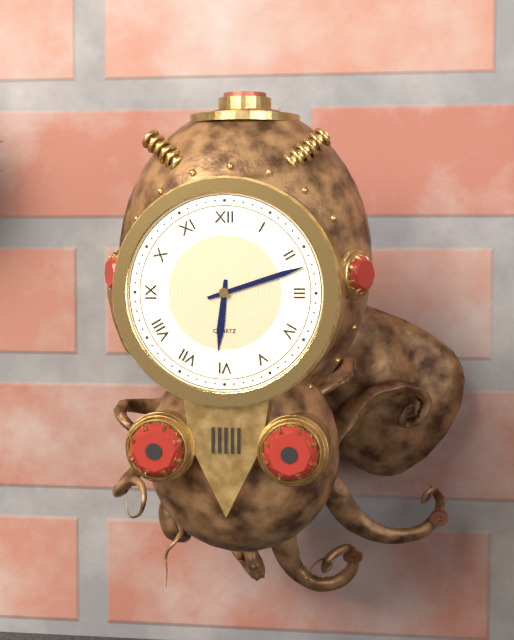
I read 6.12
